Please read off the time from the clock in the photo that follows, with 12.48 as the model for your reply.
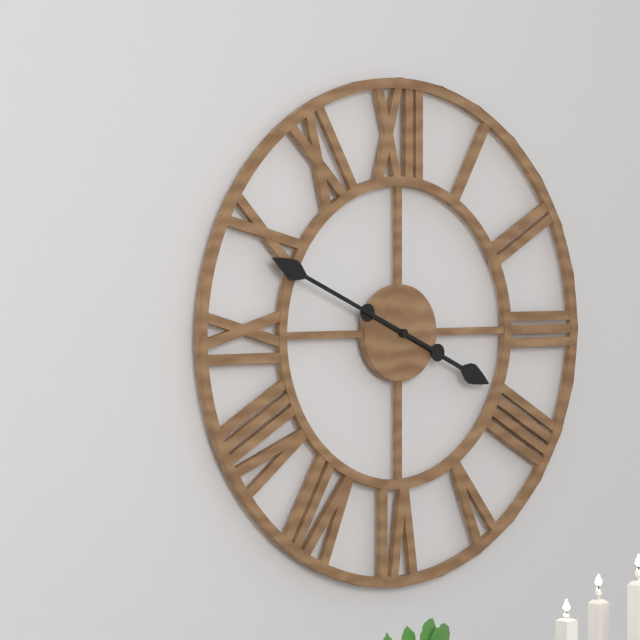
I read 3.49
